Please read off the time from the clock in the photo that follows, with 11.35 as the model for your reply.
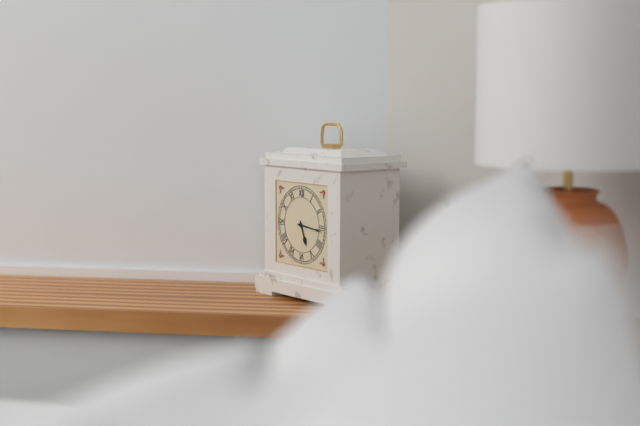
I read 5.16
